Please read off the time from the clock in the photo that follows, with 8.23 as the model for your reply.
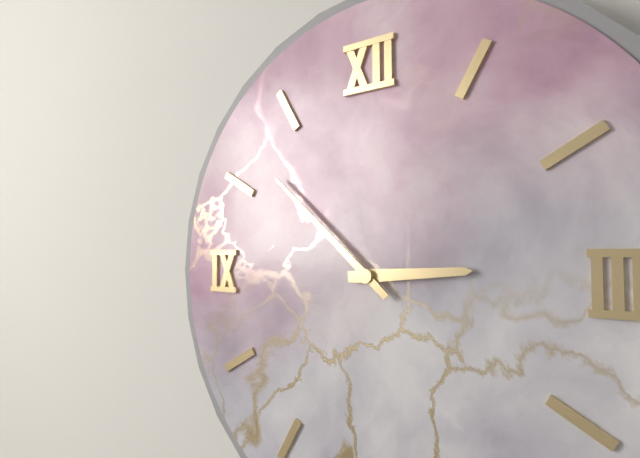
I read 2.52
